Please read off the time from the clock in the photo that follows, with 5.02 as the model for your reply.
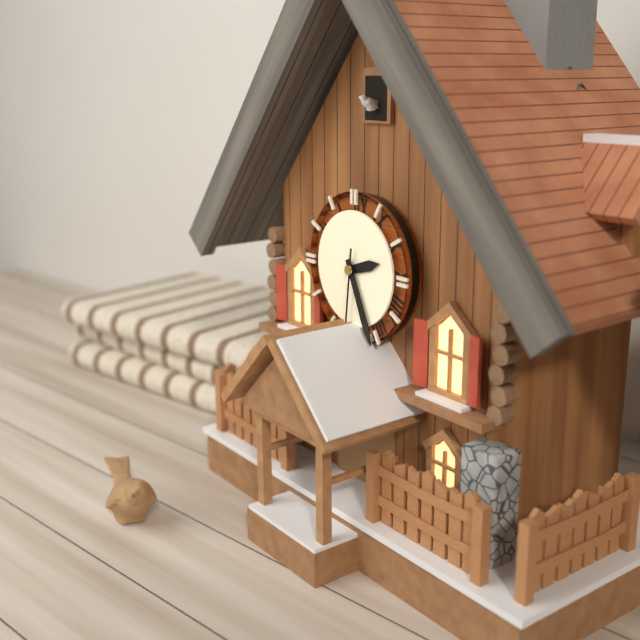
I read 2.26
